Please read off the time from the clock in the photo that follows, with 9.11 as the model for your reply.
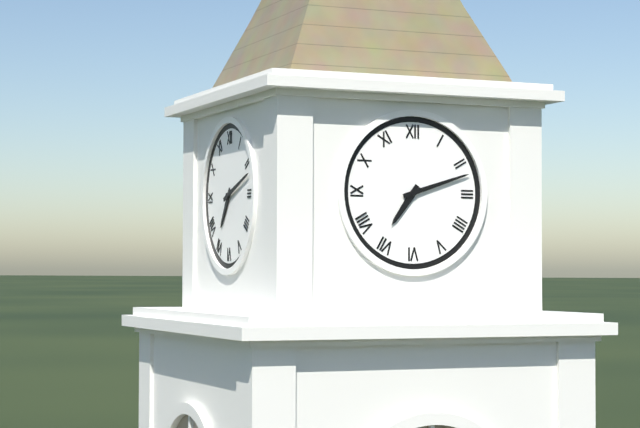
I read 7.12
